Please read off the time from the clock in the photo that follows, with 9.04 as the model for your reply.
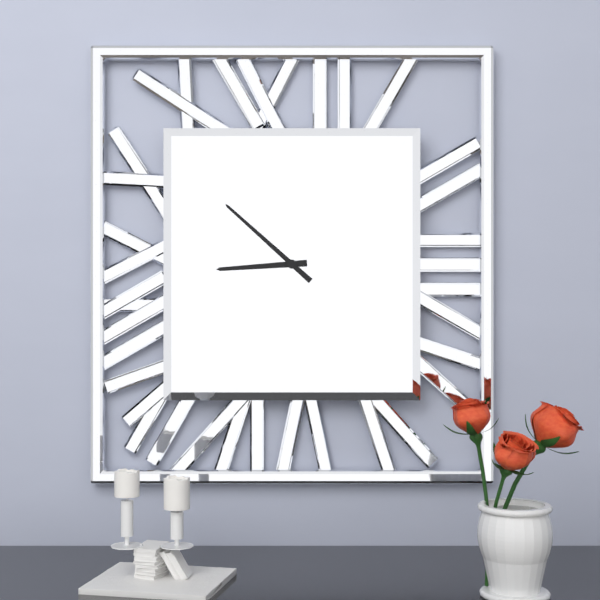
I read 8.52
